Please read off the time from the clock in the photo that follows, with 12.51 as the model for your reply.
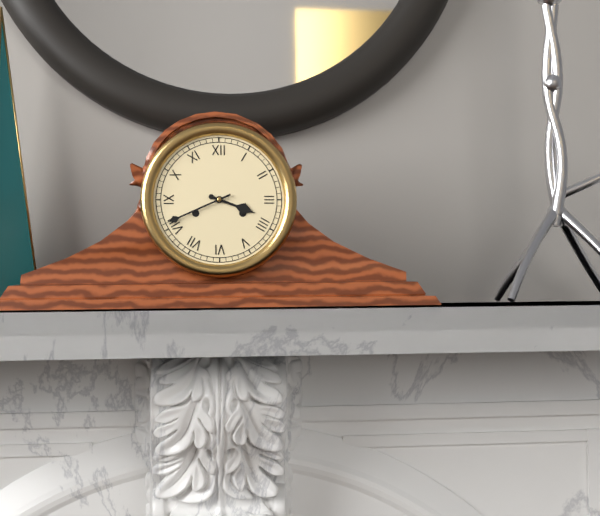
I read 3.41
